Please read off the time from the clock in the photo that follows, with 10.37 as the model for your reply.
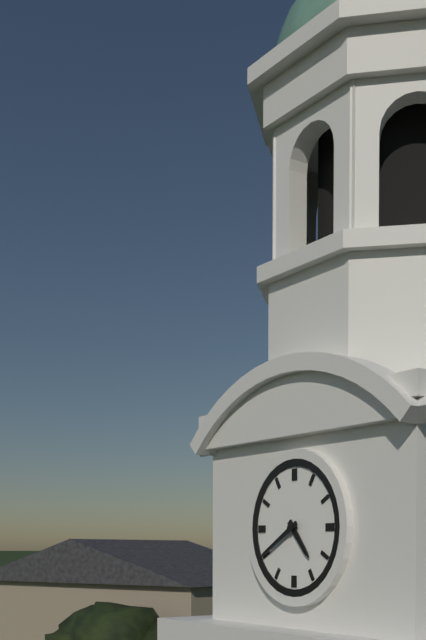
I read 4.40
